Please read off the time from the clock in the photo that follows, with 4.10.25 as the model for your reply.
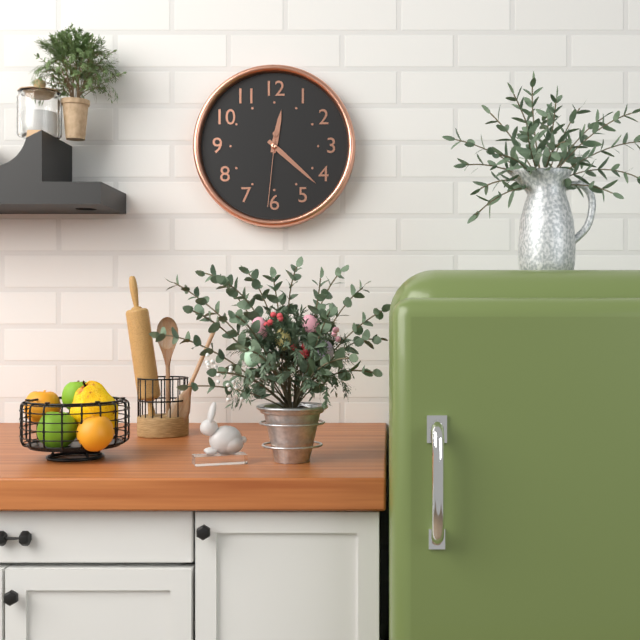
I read 12.22.31
